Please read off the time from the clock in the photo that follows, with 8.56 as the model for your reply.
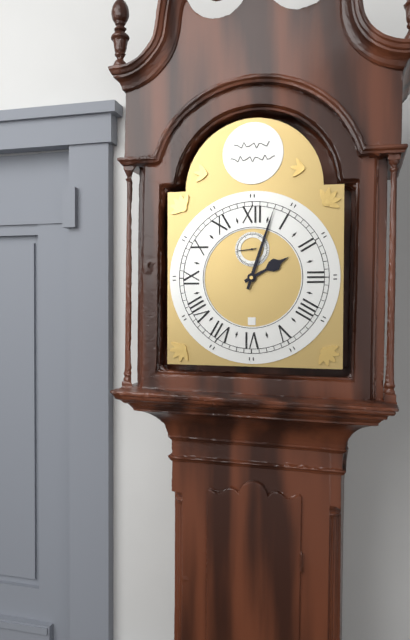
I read 2.03
